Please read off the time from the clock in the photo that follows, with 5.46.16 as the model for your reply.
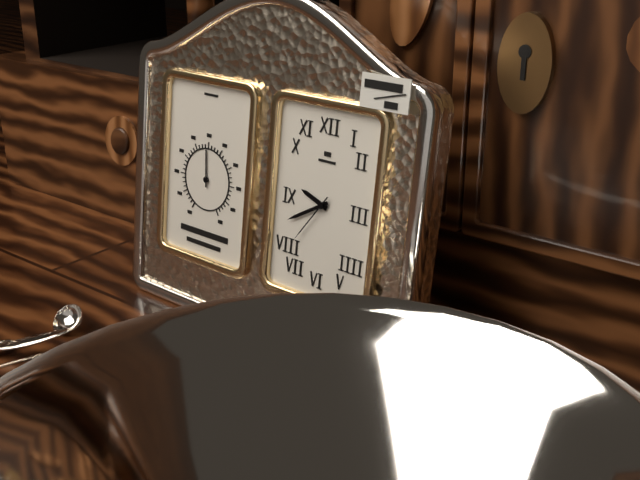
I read 9.40.36
